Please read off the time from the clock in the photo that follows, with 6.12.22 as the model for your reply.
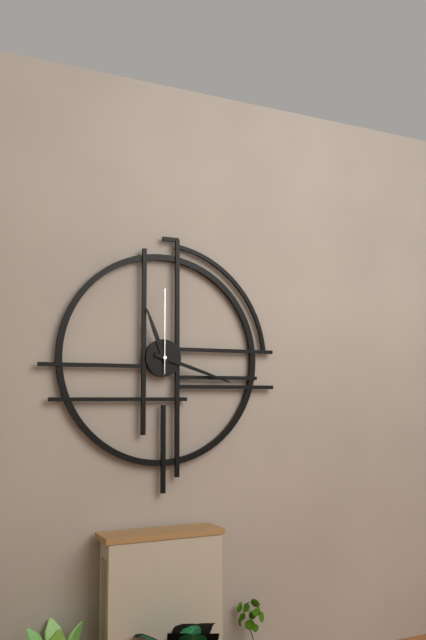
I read 11.18.00
